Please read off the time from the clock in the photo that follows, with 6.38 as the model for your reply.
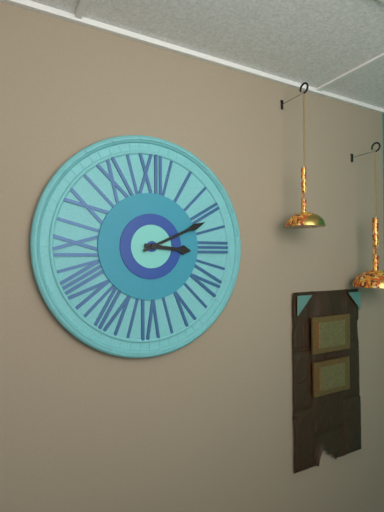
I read 3.11
